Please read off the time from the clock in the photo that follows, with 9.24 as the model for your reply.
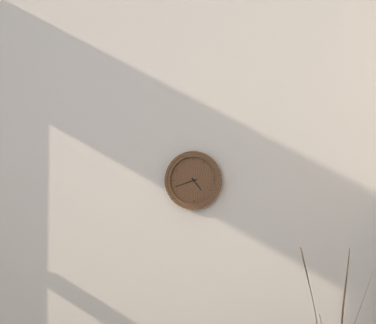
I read 4.42
